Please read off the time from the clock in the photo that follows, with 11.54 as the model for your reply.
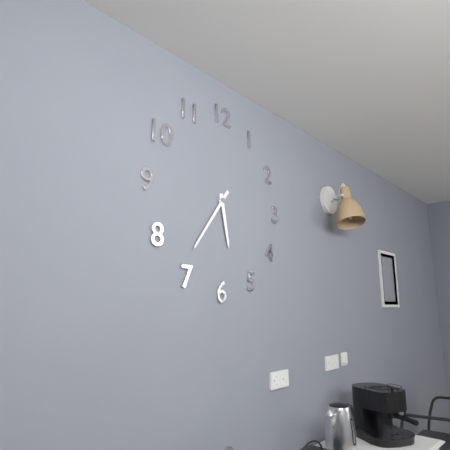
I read 5.36
